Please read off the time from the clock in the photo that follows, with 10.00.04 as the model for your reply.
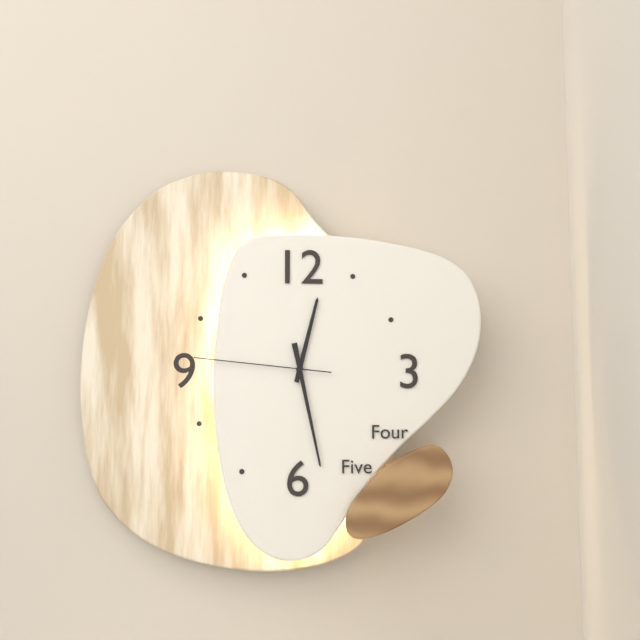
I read 12.28.46
